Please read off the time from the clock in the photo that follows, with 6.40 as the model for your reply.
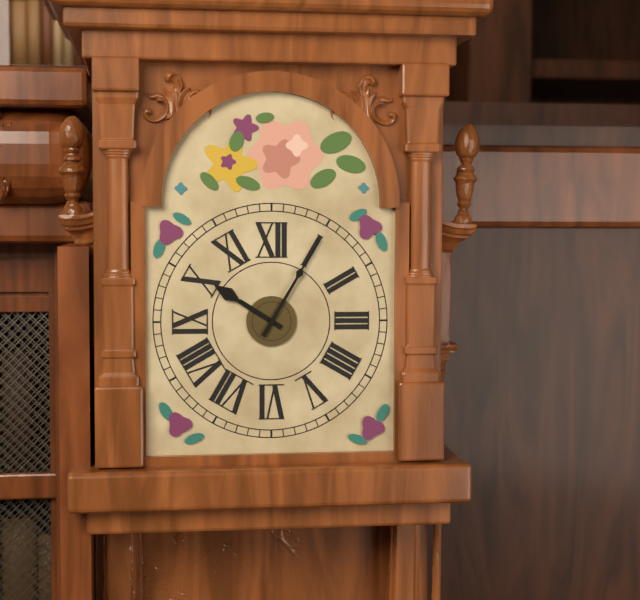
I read 10.05
